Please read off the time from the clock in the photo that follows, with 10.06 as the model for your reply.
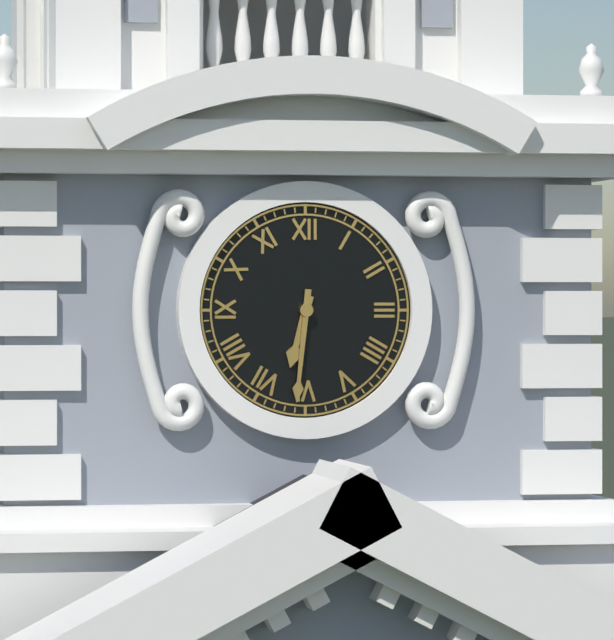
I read 6.31
